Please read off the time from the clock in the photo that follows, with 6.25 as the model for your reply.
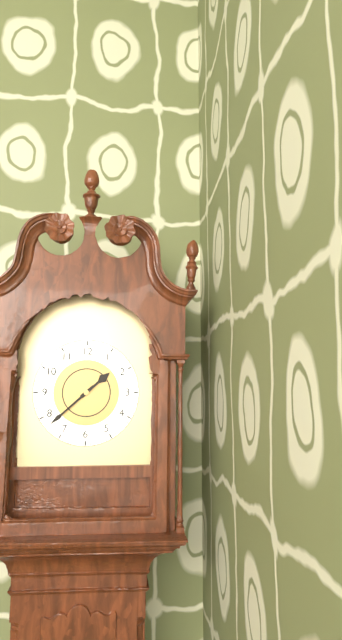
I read 1.38
